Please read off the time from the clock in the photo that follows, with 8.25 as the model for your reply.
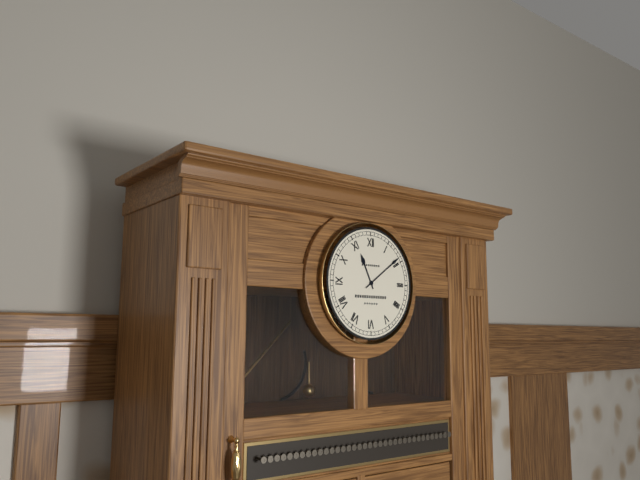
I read 11.09
